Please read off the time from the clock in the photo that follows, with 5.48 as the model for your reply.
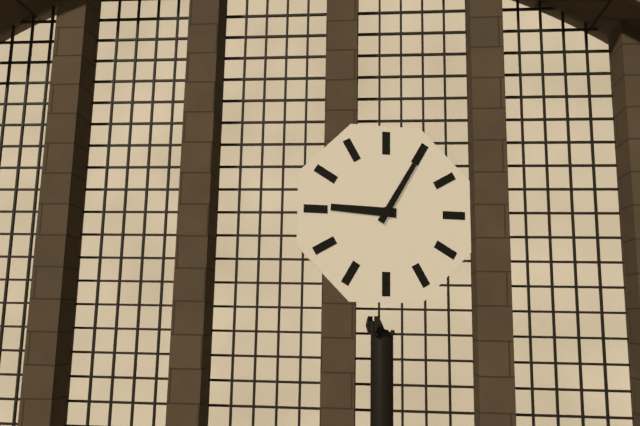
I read 9.05
